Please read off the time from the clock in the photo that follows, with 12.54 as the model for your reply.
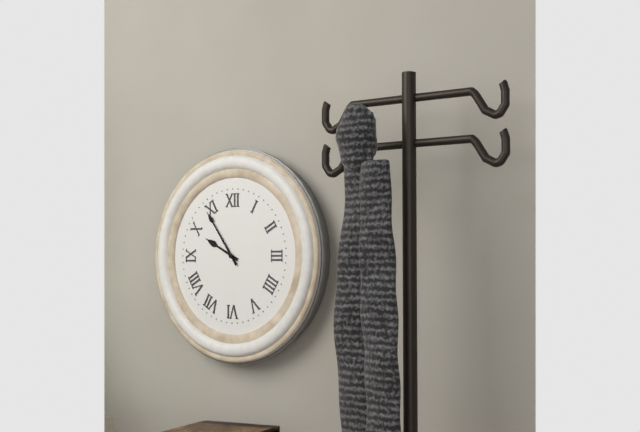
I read 9.54
